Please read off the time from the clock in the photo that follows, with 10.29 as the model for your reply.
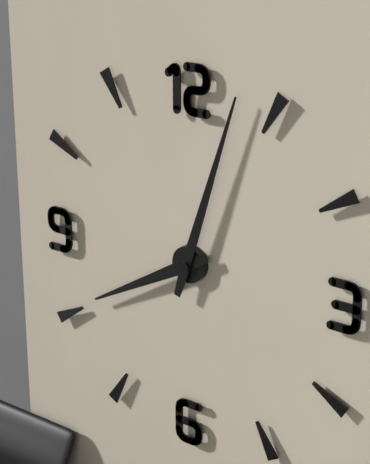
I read 8.03
